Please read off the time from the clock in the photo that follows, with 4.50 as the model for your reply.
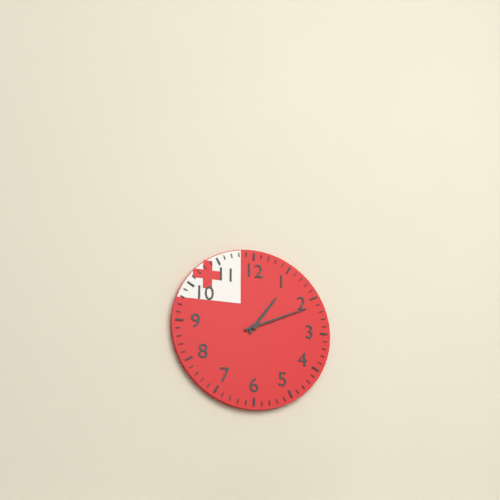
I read 1.11
